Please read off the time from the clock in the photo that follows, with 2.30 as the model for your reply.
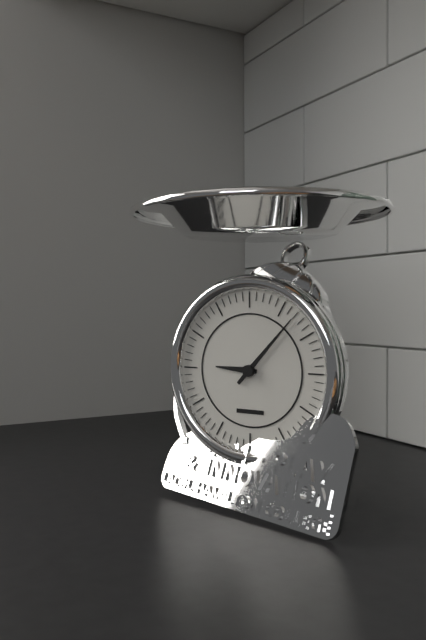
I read 9.07
